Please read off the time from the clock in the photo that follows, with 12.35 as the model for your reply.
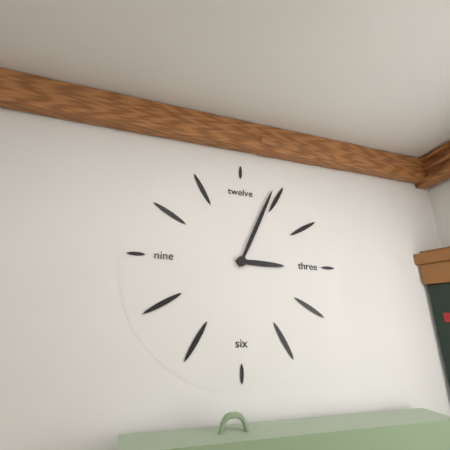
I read 3.04
